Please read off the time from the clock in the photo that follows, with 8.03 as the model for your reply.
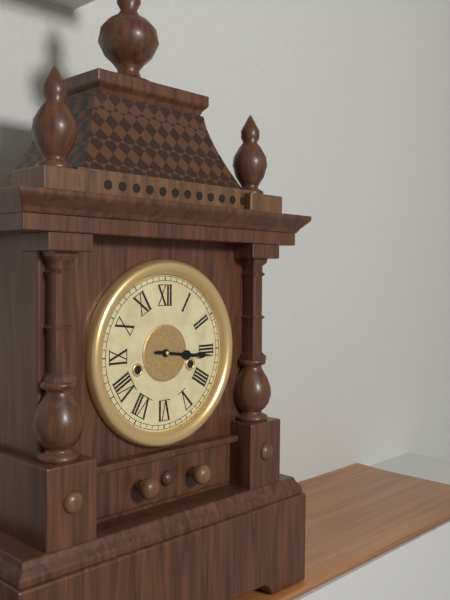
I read 3.16
